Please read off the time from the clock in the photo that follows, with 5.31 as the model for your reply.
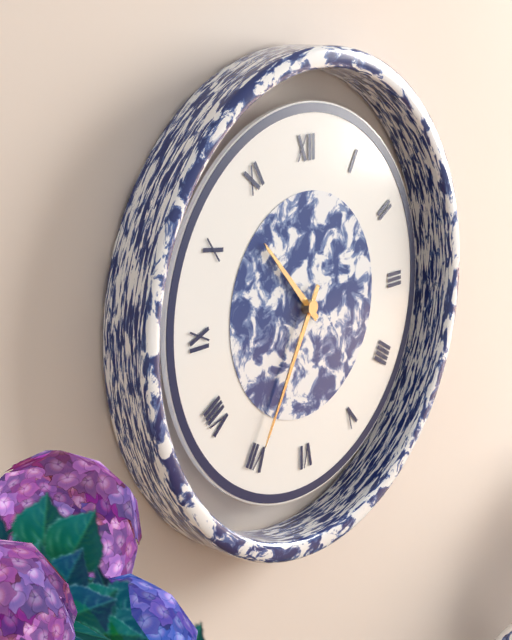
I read 10.35
